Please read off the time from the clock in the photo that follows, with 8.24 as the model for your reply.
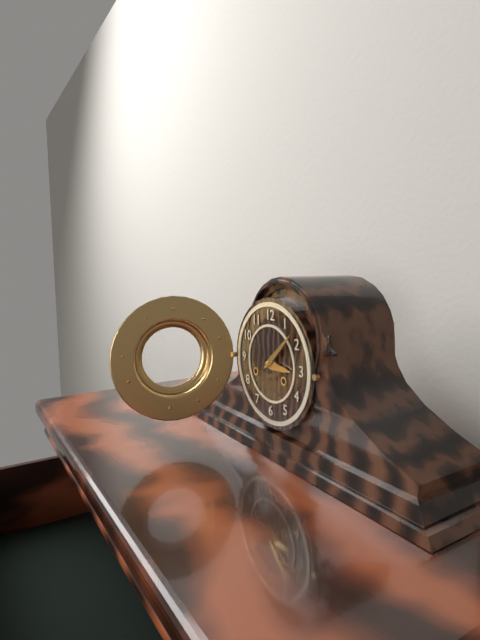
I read 3.08
